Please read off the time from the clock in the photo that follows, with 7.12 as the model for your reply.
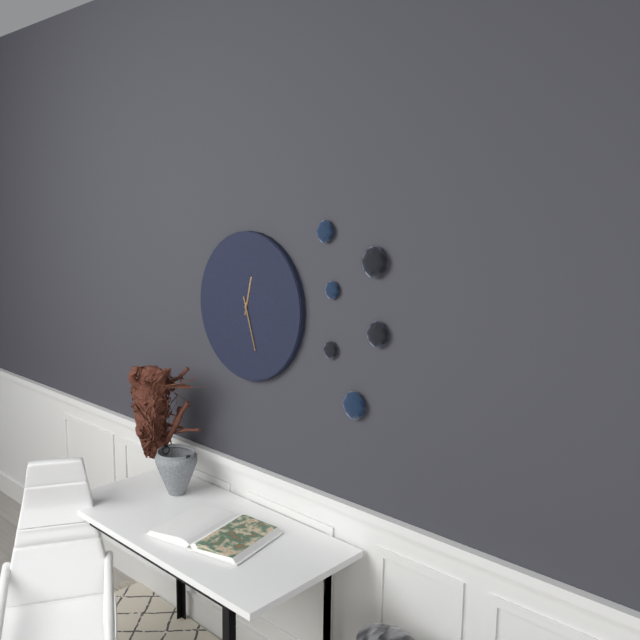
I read 12.27
